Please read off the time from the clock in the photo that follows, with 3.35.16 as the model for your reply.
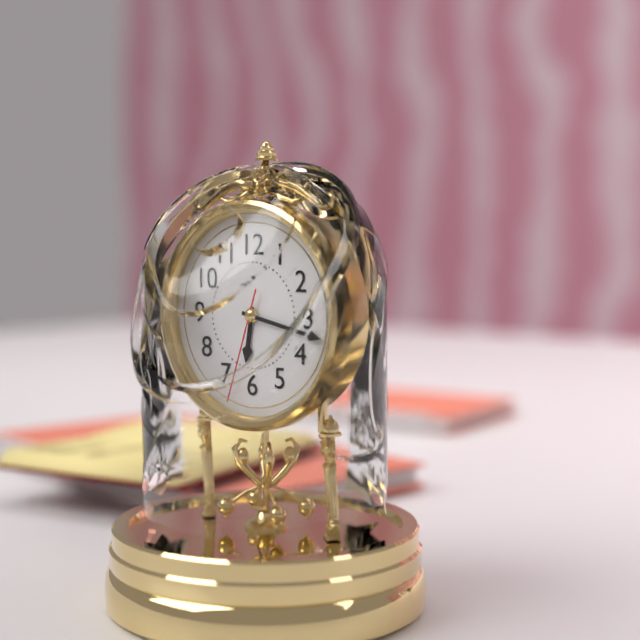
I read 6.17.33
